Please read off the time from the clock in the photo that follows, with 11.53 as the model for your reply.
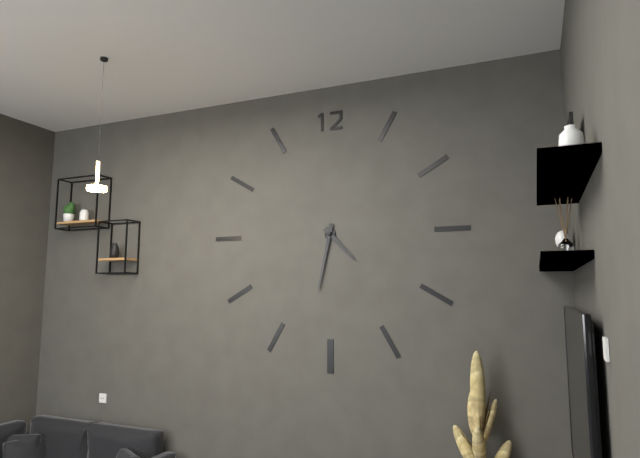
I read 4.32
